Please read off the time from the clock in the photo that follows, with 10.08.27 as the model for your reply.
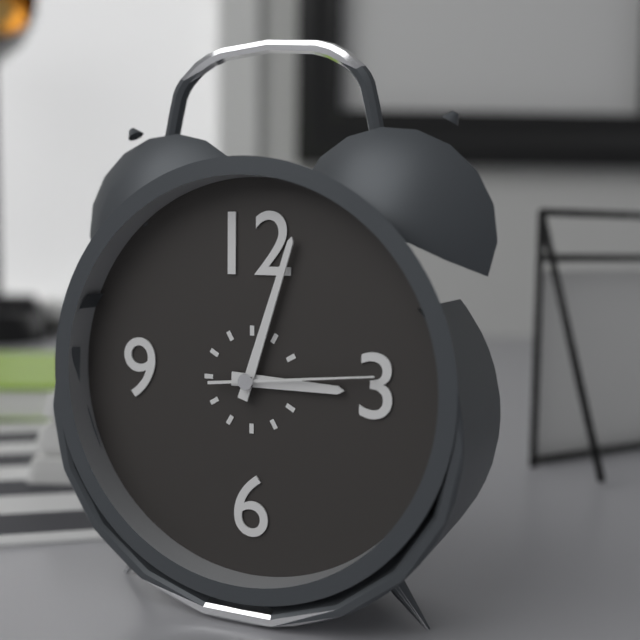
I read 3.03.14
